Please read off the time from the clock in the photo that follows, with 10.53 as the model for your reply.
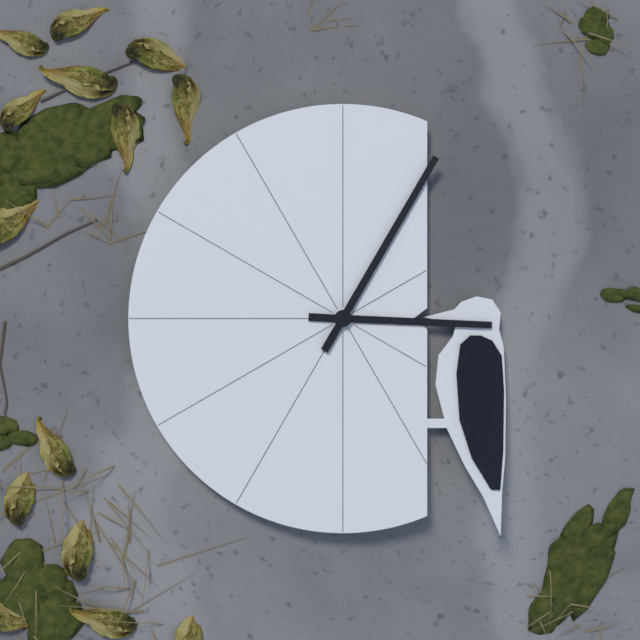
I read 3.05
